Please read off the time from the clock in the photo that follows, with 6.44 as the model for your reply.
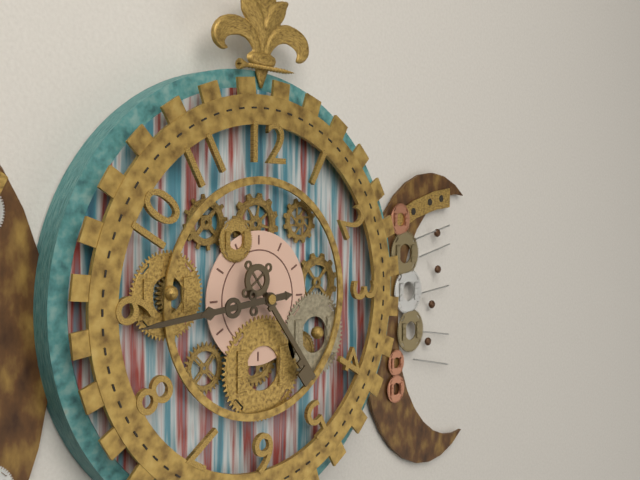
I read 4.44
